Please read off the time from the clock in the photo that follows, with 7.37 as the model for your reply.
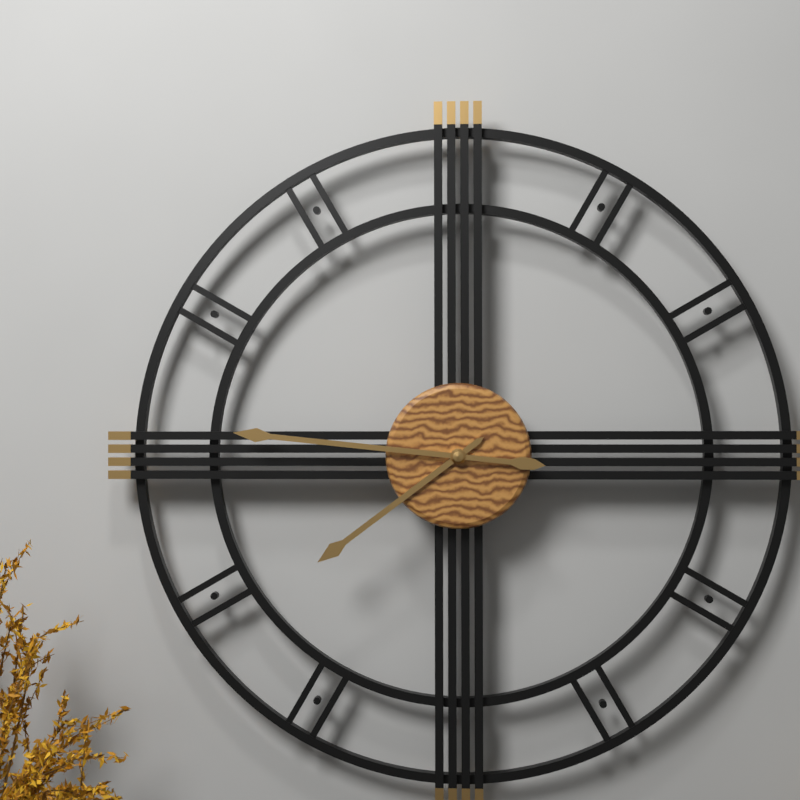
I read 7.46
